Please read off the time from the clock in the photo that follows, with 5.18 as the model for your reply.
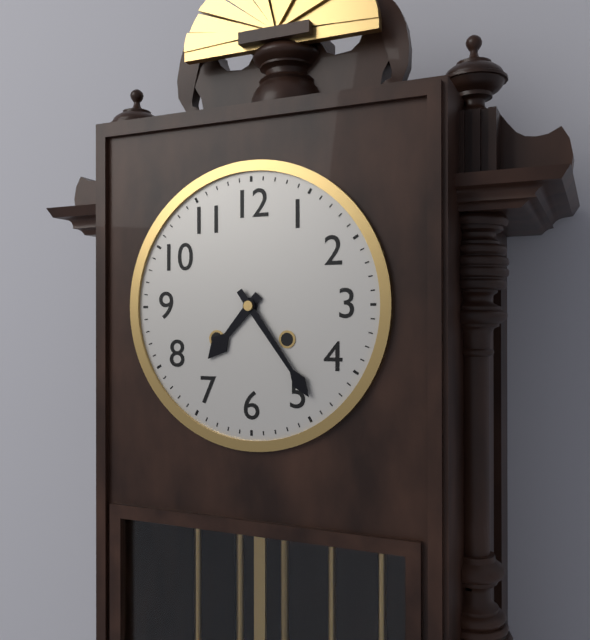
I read 7.24
